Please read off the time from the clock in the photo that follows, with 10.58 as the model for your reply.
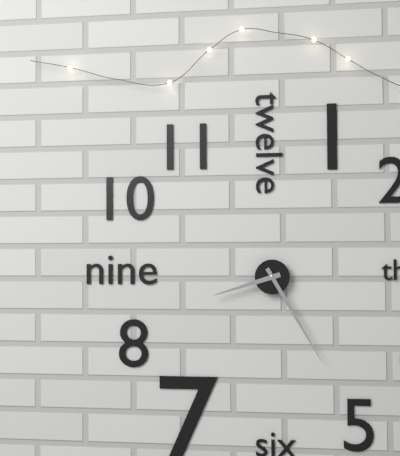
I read 8.25
